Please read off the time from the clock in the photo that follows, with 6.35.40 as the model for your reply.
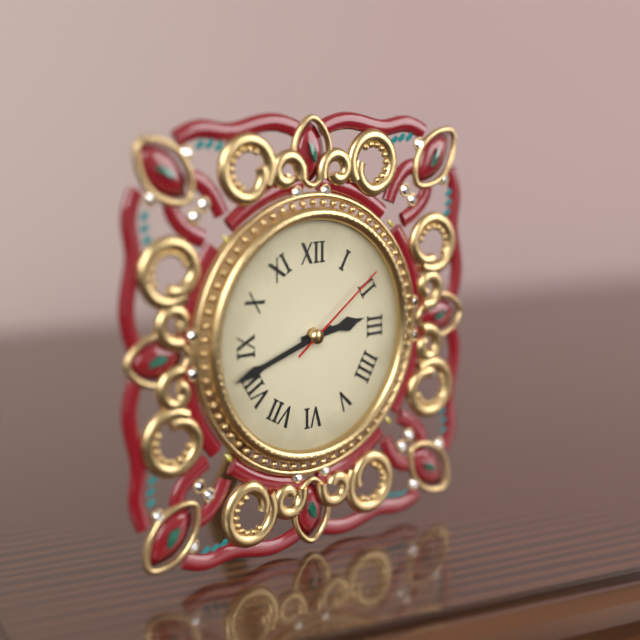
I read 2.42.09
